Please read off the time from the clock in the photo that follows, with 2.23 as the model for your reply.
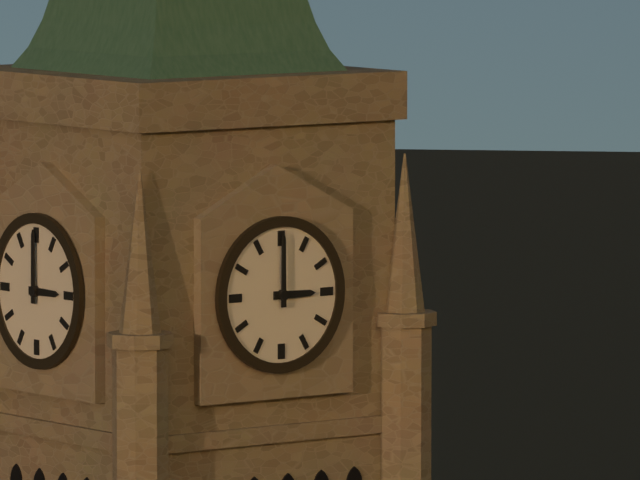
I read 3.00
